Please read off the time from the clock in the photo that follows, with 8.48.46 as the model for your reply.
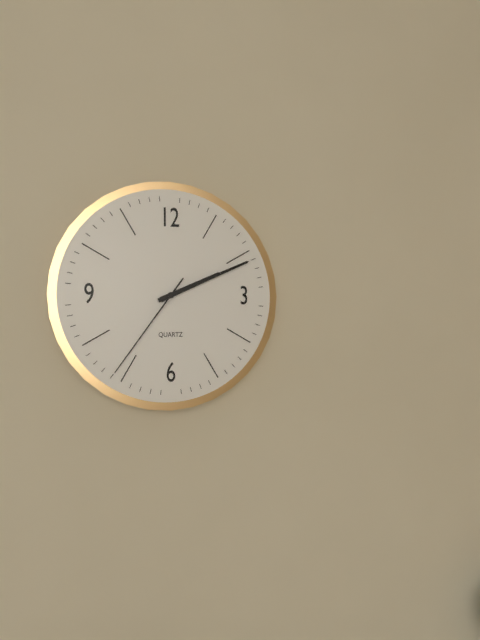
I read 2.11.36
